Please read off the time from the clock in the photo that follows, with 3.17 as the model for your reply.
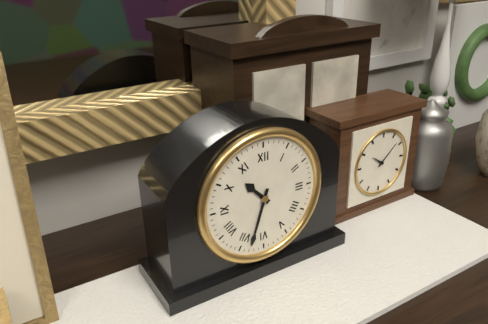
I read 10.33
